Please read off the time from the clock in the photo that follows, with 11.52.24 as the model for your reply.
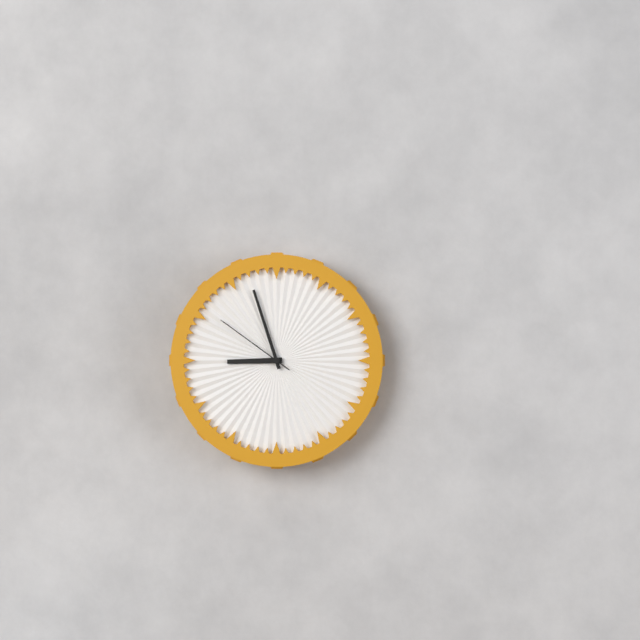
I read 8.57.51
